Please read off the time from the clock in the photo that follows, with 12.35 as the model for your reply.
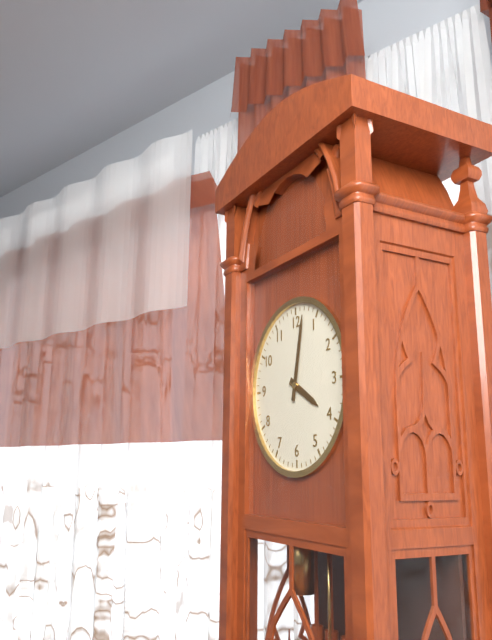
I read 4.02
